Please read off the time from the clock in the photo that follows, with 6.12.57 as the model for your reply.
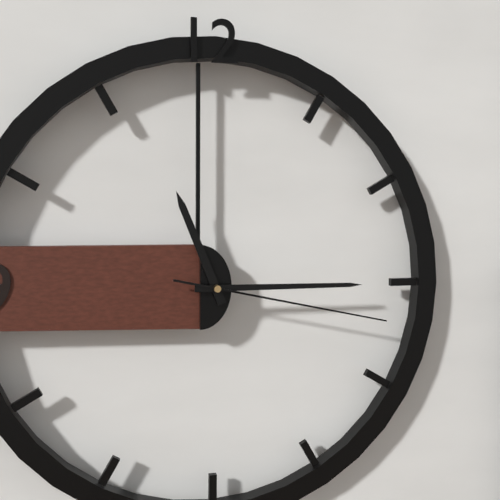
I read 11.15.17
